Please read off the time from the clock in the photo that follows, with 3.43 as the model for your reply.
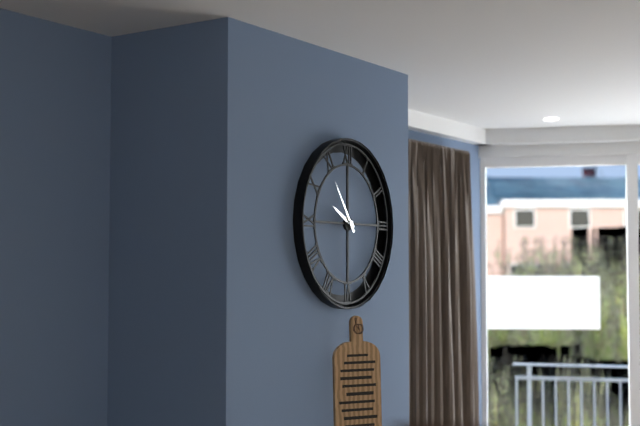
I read 9.54
